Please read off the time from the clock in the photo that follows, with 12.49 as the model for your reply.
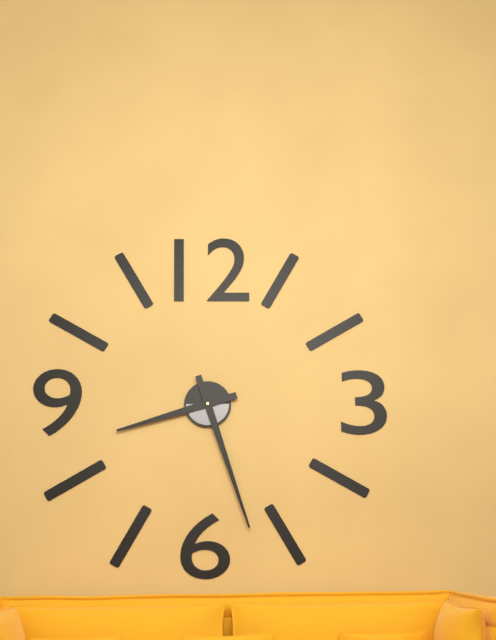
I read 8.27
